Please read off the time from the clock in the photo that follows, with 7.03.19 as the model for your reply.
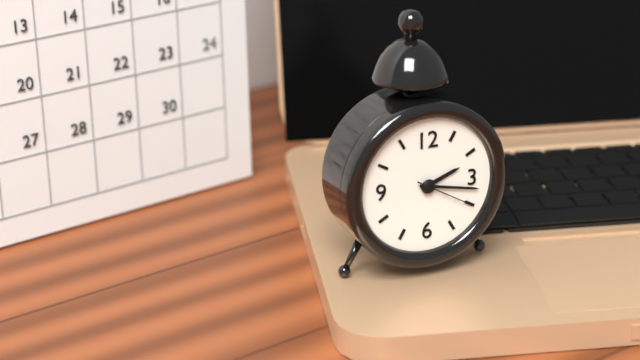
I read 2.17.20
